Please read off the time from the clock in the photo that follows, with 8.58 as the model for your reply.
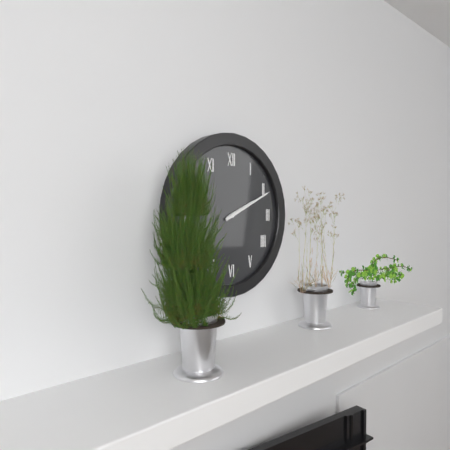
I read 2.11
